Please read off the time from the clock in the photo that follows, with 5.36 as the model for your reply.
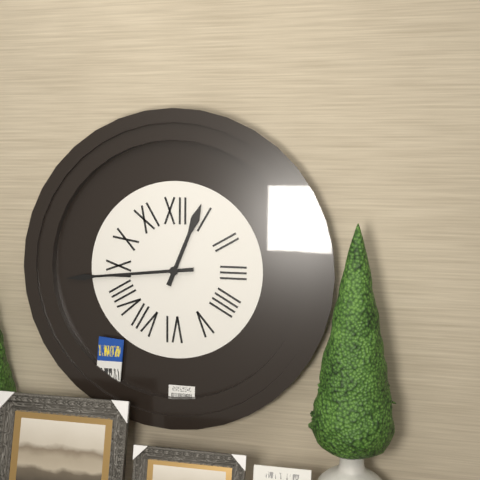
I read 12.44
